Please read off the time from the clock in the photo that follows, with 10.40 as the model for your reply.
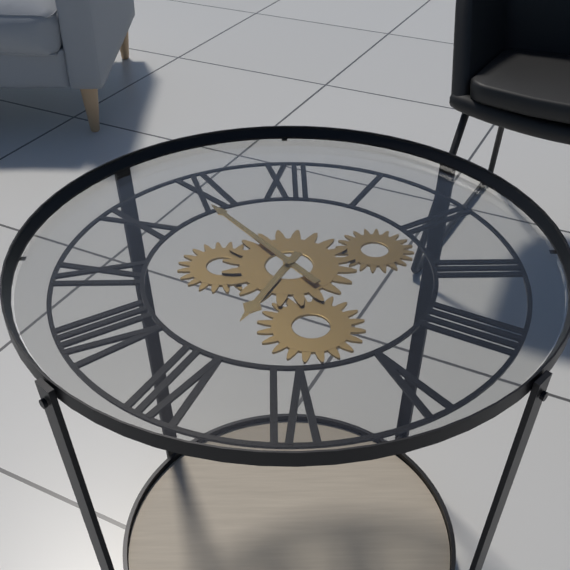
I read 6.54
